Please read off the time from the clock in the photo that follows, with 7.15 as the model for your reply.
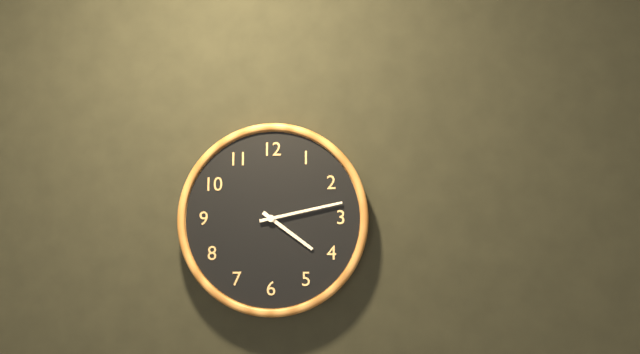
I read 4.13
